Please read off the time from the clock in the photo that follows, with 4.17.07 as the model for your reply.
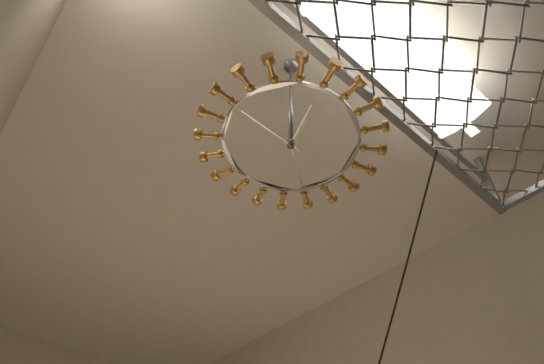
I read 11.21.45
